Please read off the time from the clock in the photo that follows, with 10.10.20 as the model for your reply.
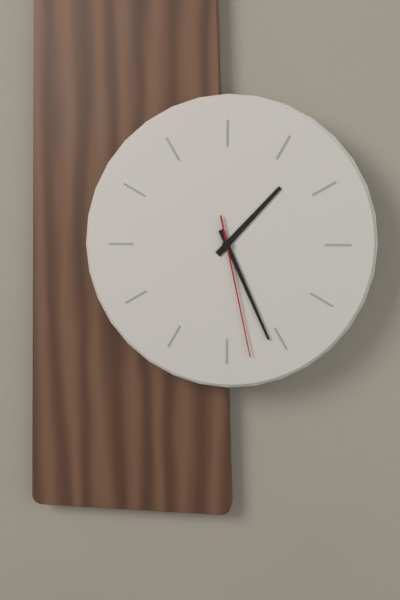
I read 1.26.28
